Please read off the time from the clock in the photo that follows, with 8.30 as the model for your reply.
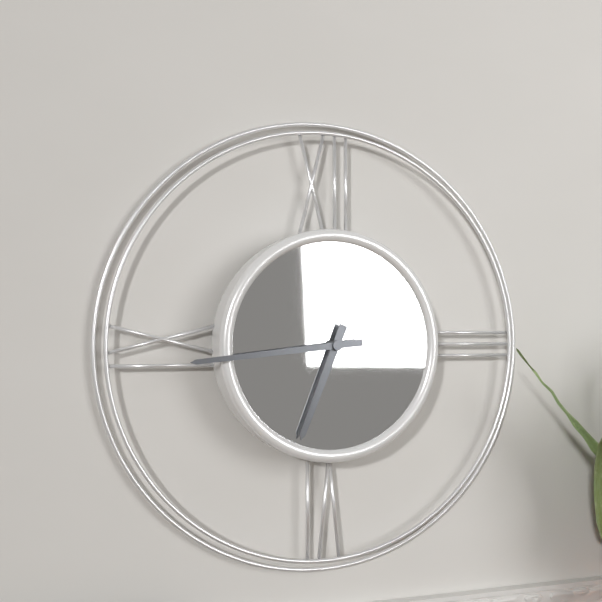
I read 6.44
